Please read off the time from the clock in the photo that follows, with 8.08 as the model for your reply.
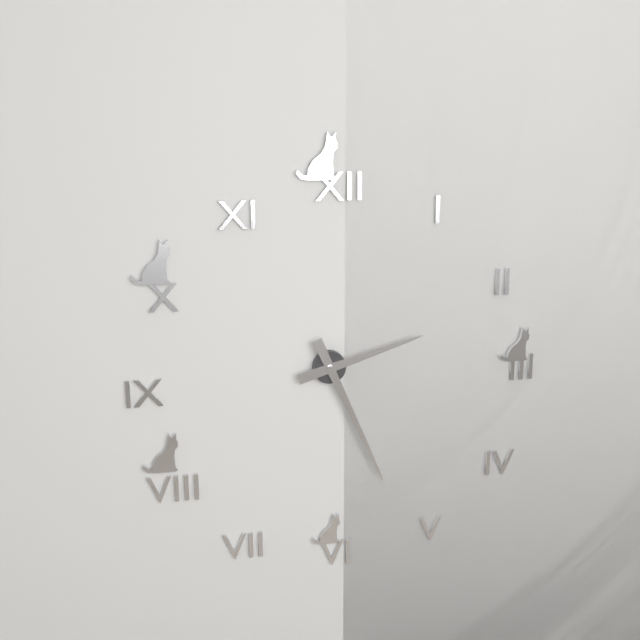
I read 2.26
